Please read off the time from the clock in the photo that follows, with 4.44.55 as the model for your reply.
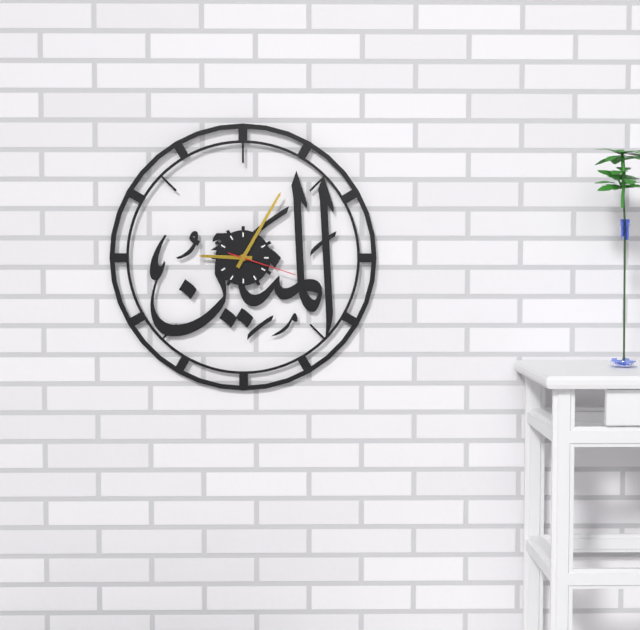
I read 9.05.18
